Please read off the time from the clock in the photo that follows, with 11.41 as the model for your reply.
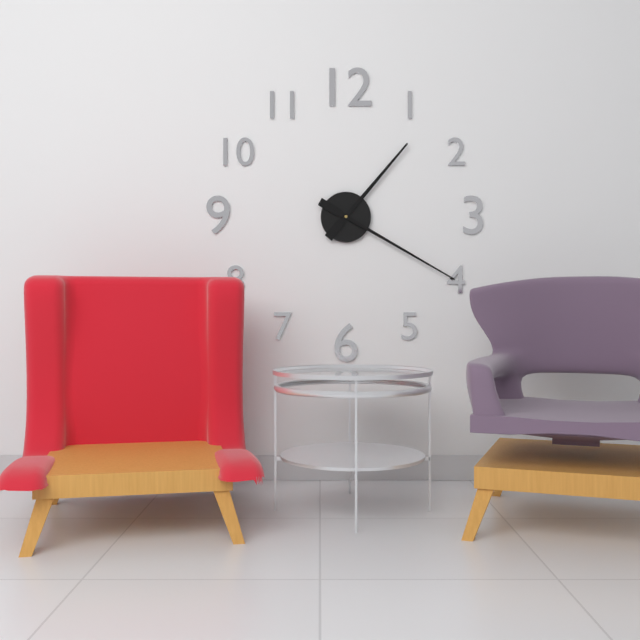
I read 1.20
